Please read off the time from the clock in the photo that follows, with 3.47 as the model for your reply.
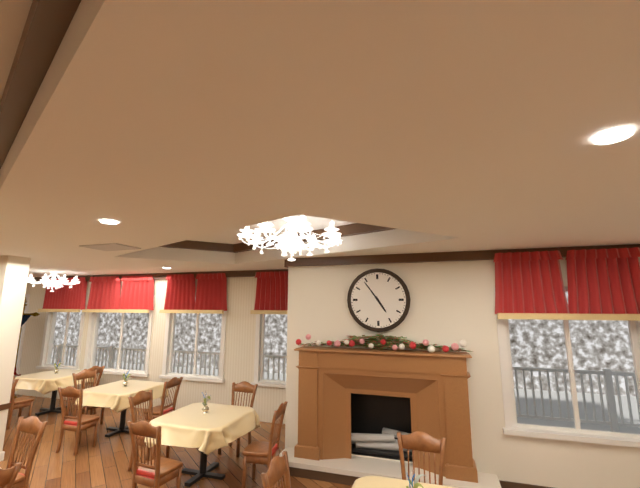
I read 4.54
